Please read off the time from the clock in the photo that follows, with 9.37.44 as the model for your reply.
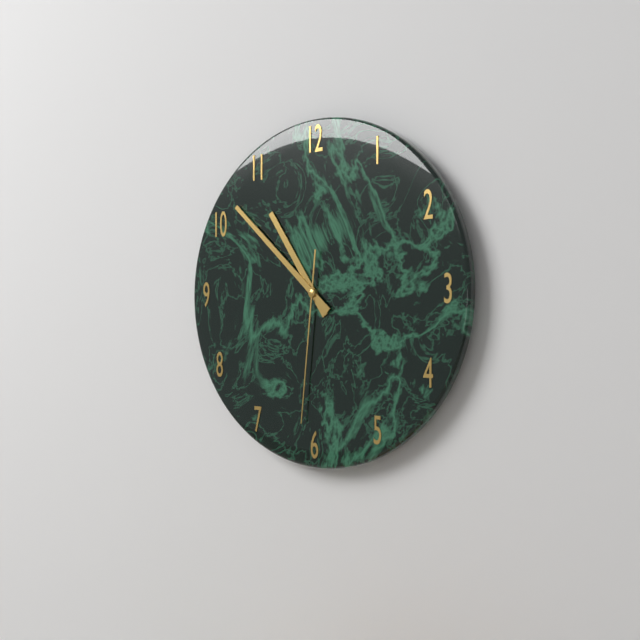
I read 10.52.31
